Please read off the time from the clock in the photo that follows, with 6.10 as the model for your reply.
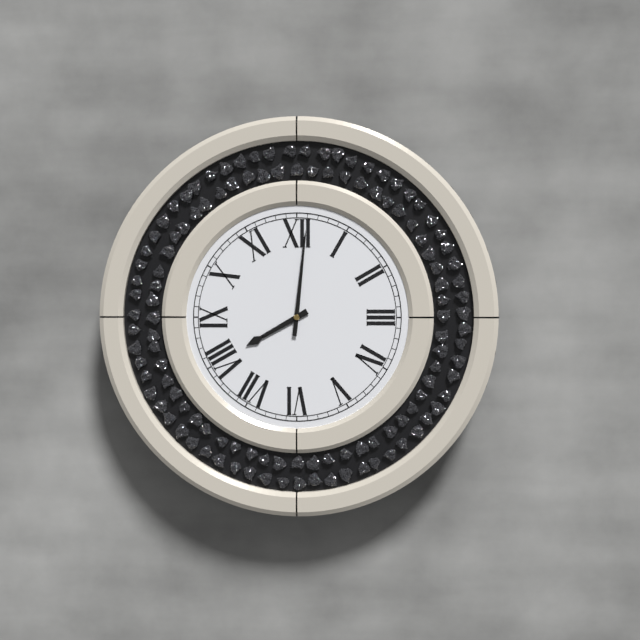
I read 8.01
